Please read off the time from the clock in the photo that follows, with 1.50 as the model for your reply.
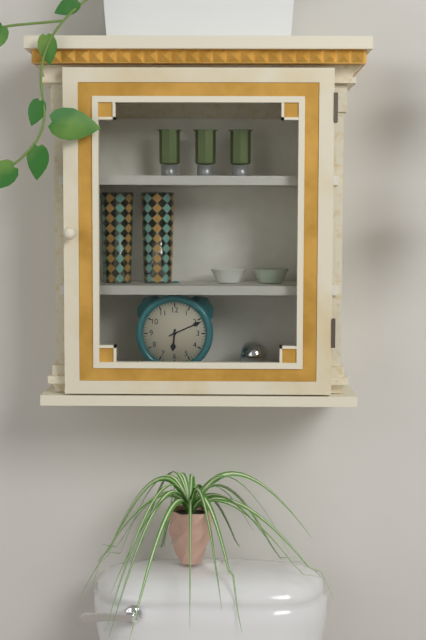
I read 6.11
